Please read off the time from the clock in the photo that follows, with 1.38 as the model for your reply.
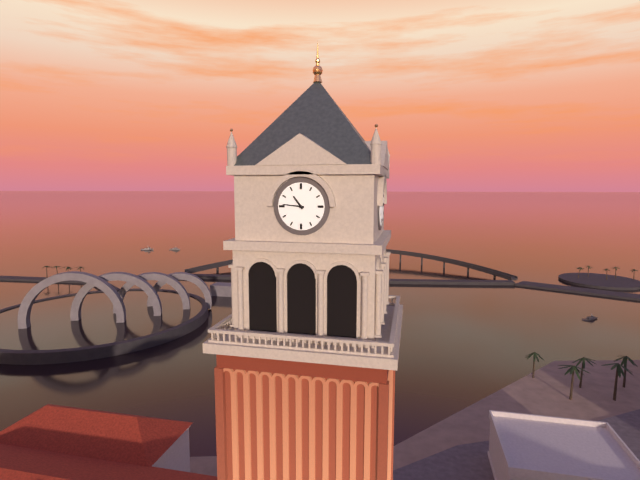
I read 10.46
